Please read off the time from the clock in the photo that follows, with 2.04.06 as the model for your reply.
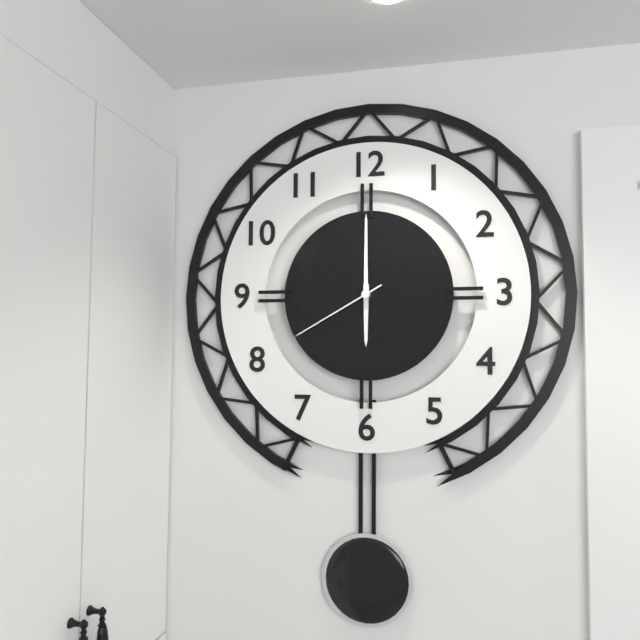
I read 6.00.40
